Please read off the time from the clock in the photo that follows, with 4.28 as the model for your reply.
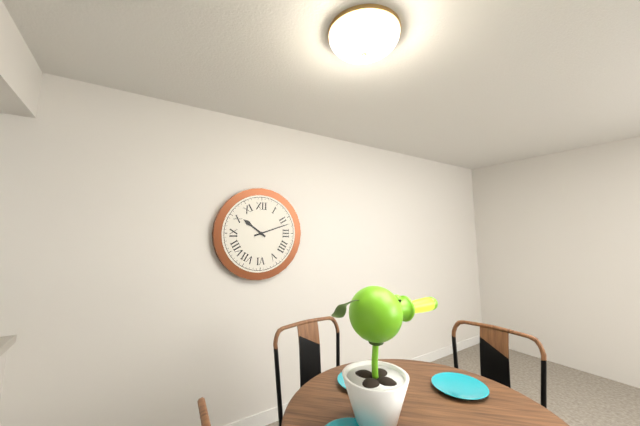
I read 10.12
